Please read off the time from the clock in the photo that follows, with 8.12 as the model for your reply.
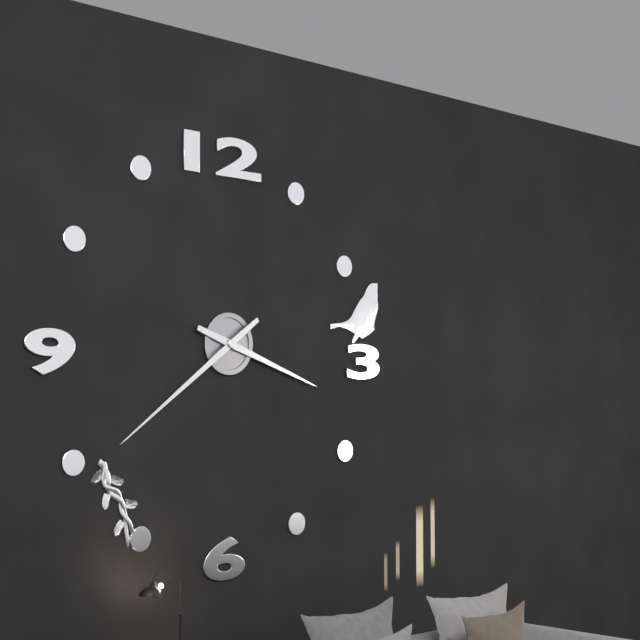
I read 3.39
